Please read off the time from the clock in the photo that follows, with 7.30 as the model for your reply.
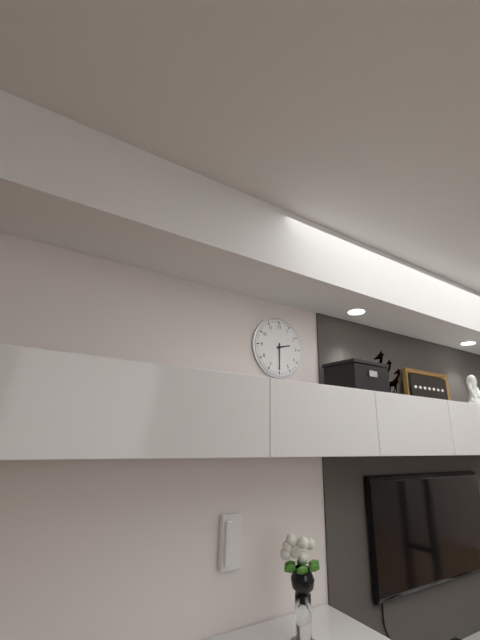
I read 2.30
